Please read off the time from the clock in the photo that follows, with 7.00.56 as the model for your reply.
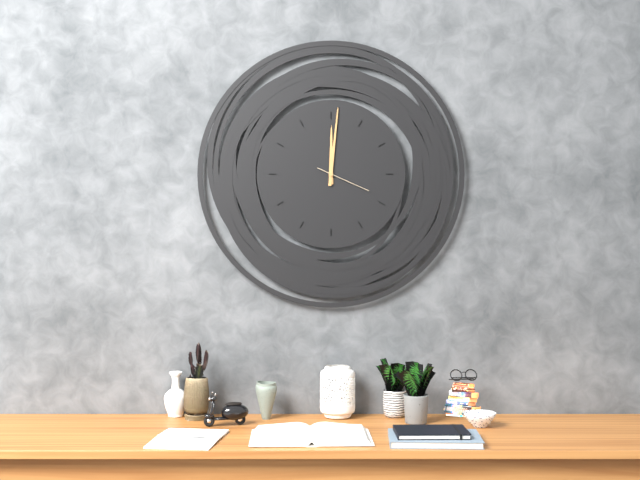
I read 12.01.19
